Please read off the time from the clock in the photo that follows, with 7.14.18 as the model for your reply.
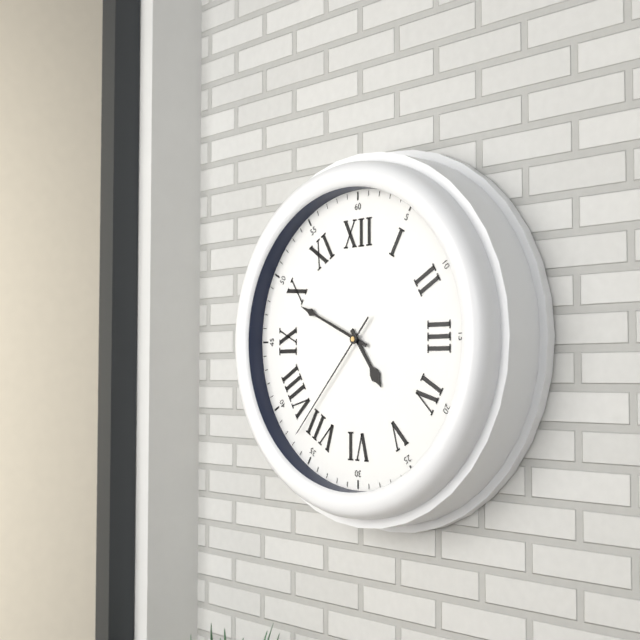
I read 4.49.37
